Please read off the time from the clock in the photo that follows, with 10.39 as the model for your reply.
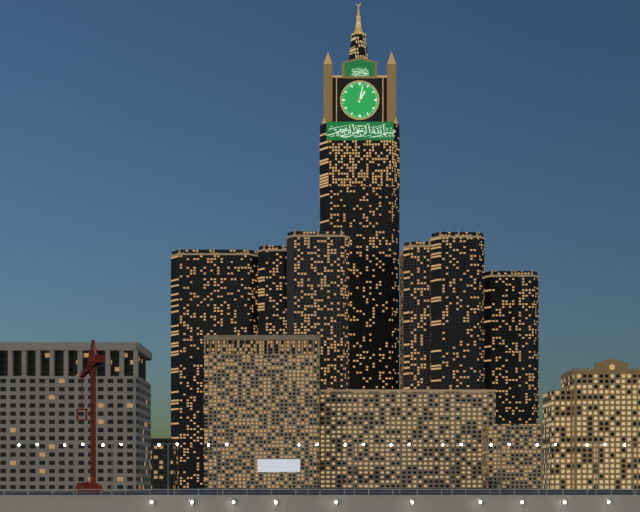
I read 1.02
